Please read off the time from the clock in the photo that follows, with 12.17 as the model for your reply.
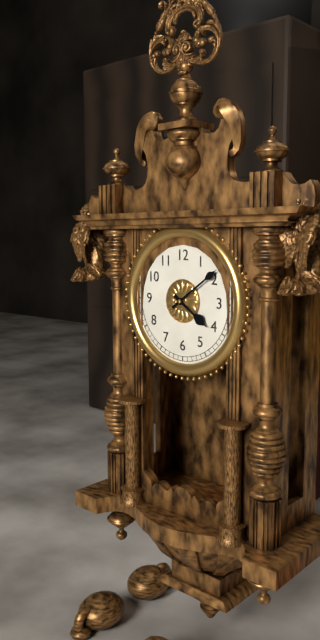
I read 4.09
